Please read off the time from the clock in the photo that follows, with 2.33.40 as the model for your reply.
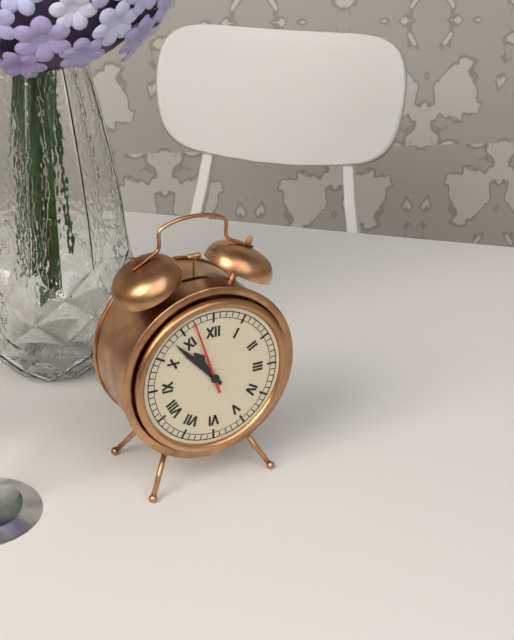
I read 10.53.57
